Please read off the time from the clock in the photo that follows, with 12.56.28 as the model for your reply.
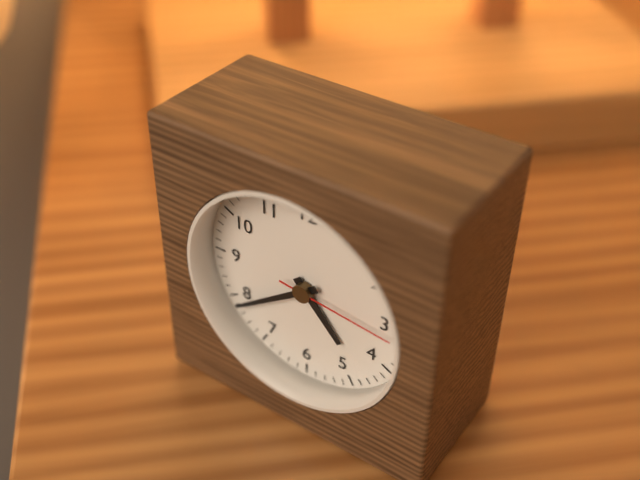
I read 4.39.16
